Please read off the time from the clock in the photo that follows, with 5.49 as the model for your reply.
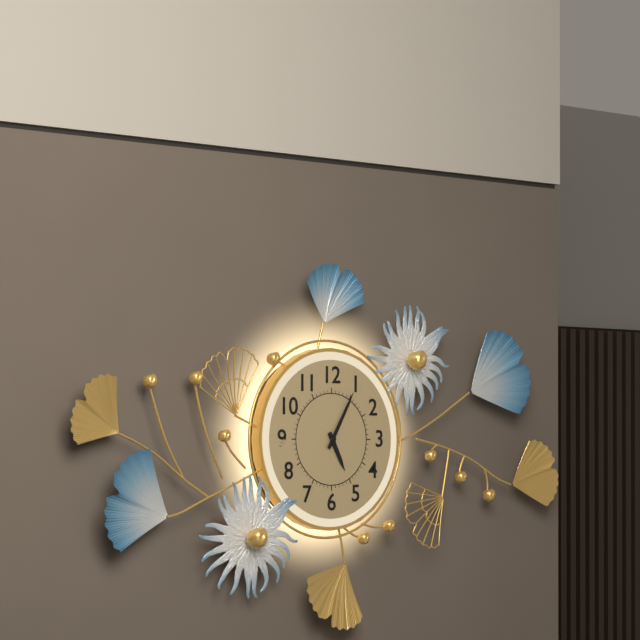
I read 5.05
